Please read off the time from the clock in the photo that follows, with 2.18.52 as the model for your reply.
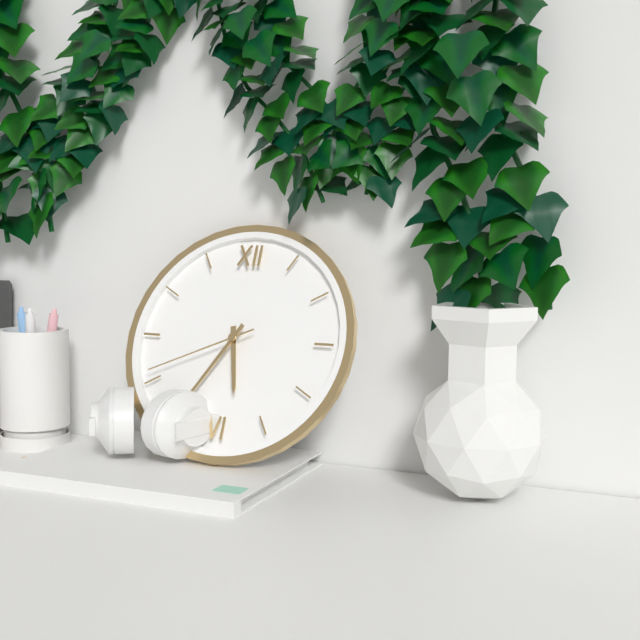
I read 5.35.41
